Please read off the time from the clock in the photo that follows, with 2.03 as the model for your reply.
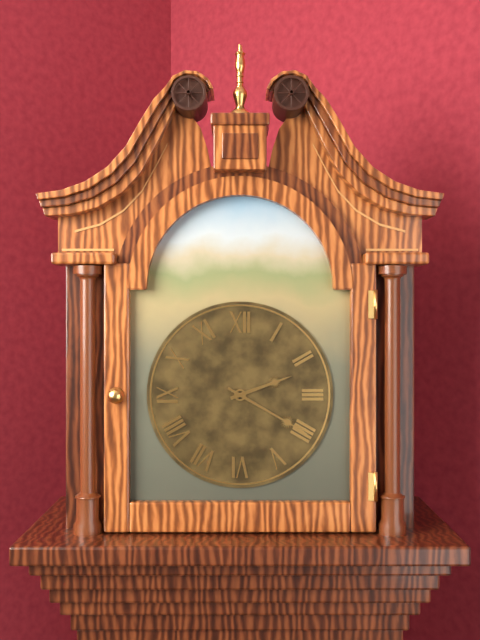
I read 2.20
